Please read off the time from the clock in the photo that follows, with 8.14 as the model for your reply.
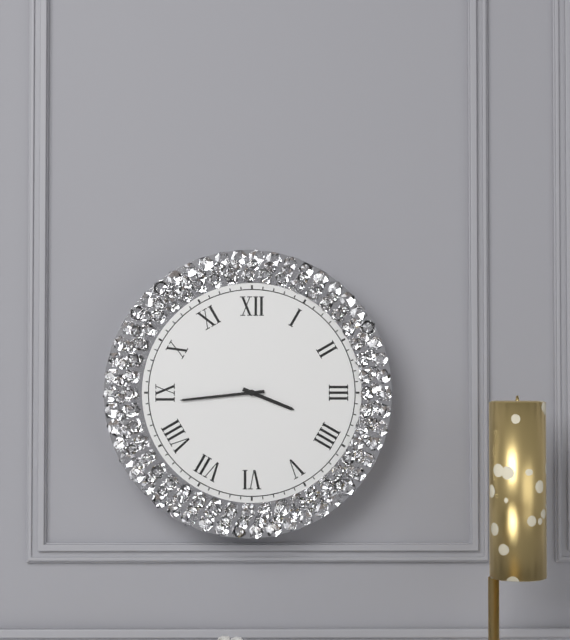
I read 3.44
